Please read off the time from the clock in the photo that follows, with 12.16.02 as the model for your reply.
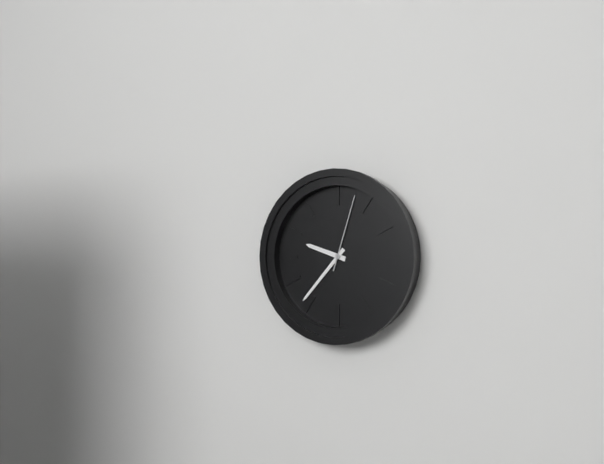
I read 9.37.03
